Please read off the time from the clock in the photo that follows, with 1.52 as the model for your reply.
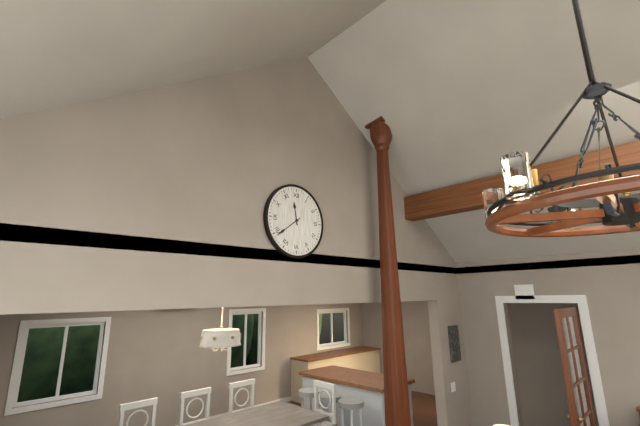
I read 11.39
